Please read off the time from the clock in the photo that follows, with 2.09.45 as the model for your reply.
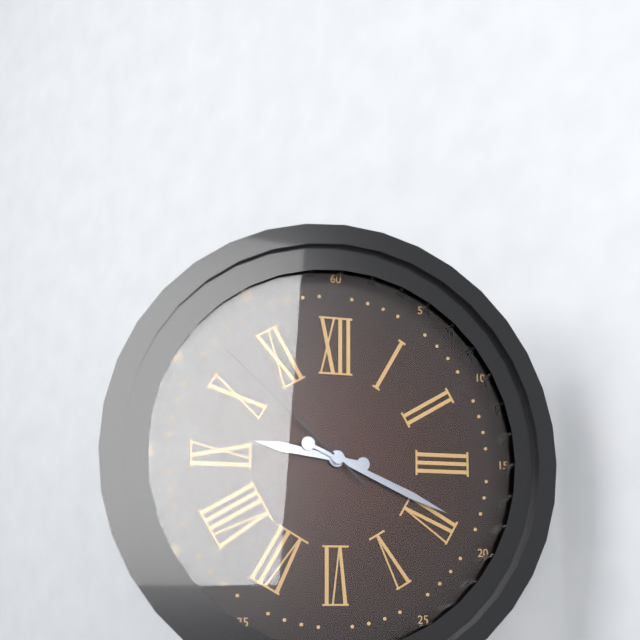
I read 9.19.52
